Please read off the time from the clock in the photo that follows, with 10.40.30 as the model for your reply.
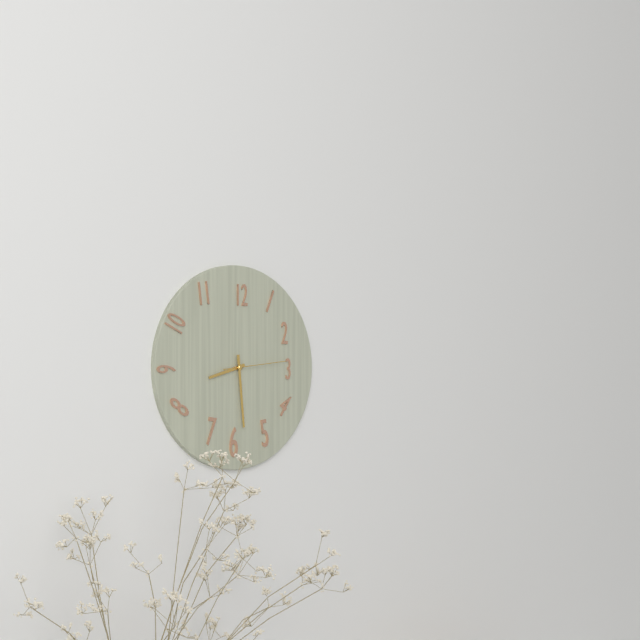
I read 8.29.14
